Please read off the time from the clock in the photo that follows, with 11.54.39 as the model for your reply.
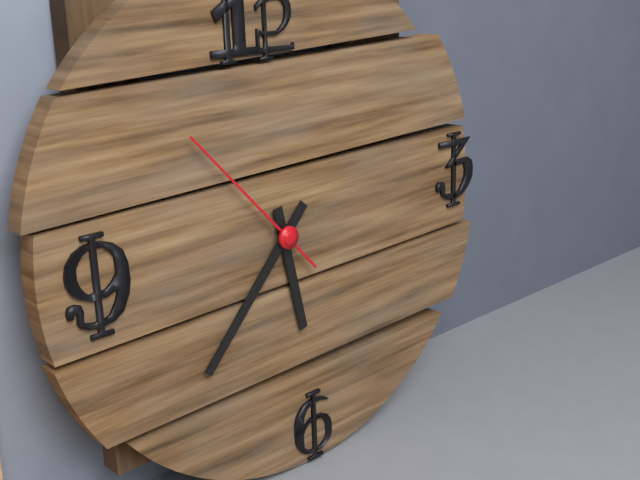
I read 5.37.53
